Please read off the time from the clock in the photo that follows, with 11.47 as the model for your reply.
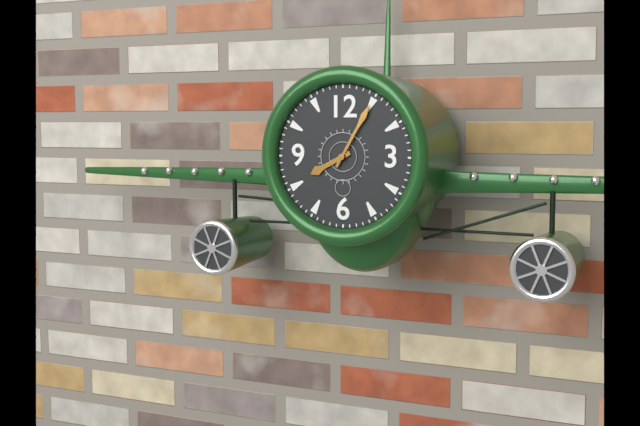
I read 8.05
